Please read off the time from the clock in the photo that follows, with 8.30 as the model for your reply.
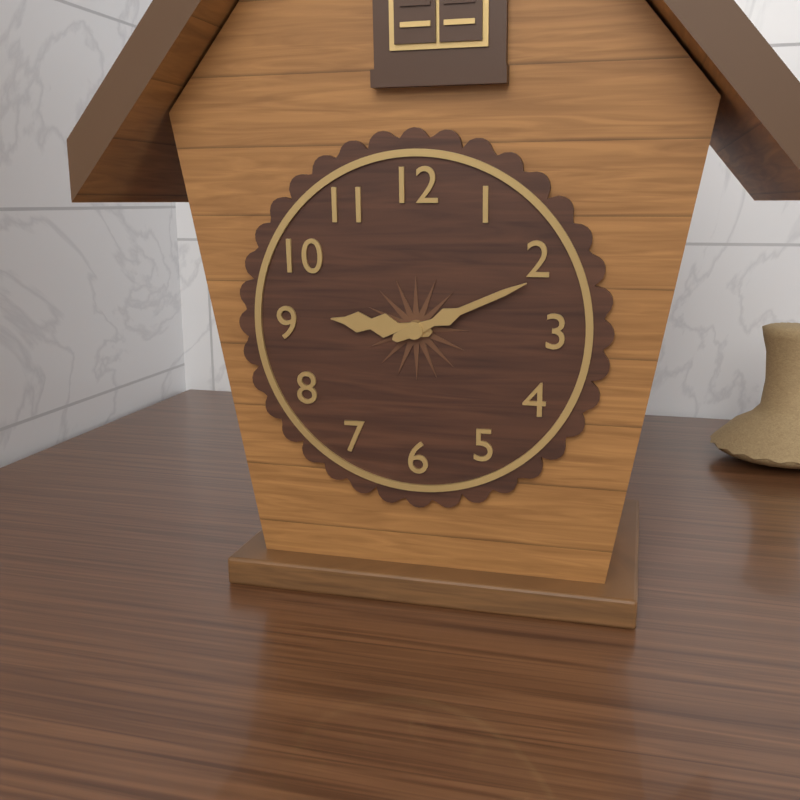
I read 9.11
